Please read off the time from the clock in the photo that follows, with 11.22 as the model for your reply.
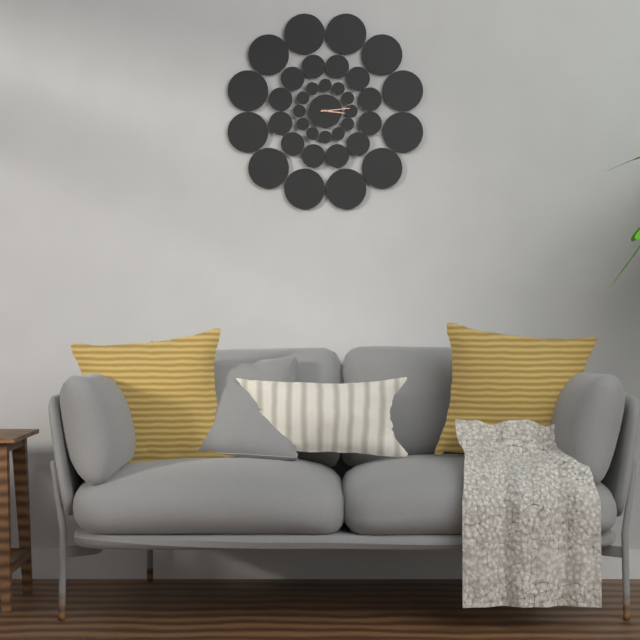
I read 3.14
